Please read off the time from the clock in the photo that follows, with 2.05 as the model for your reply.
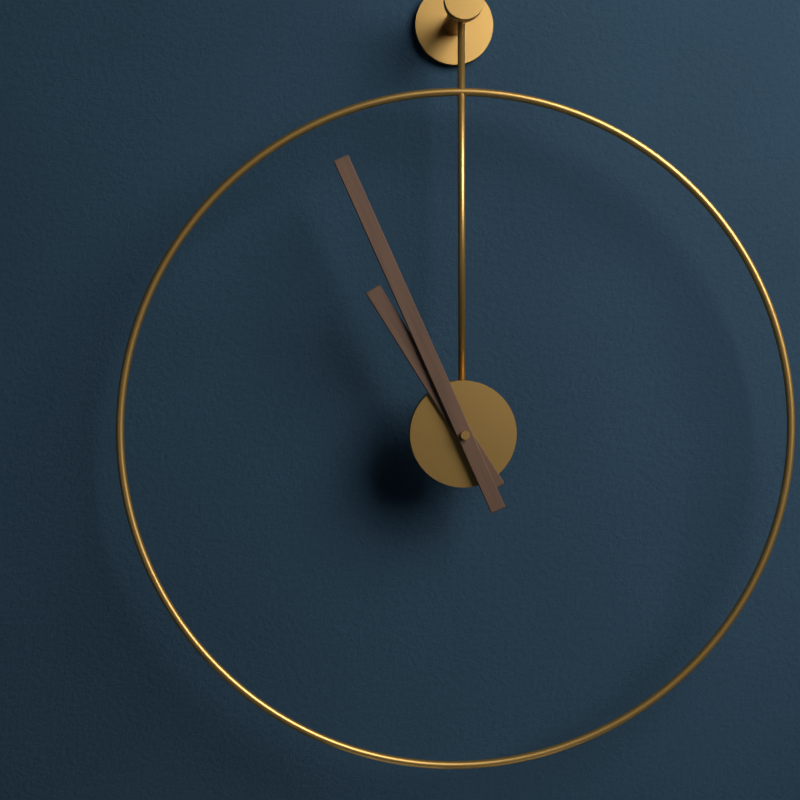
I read 10.56
